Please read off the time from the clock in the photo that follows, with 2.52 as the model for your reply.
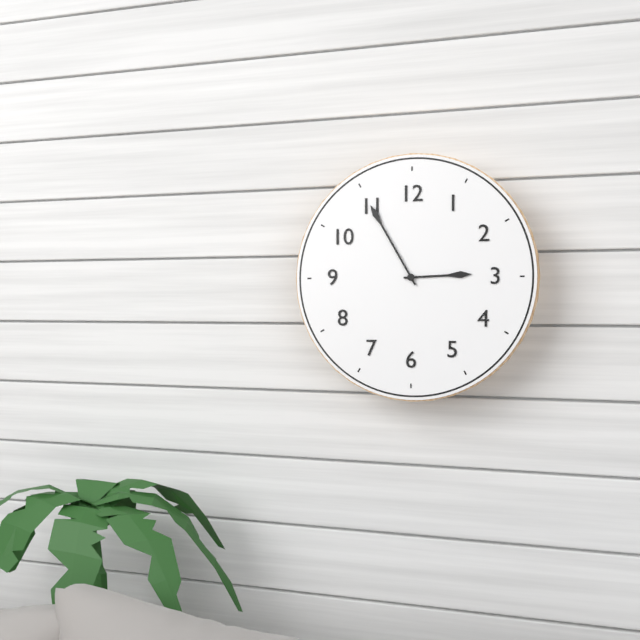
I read 2.55
